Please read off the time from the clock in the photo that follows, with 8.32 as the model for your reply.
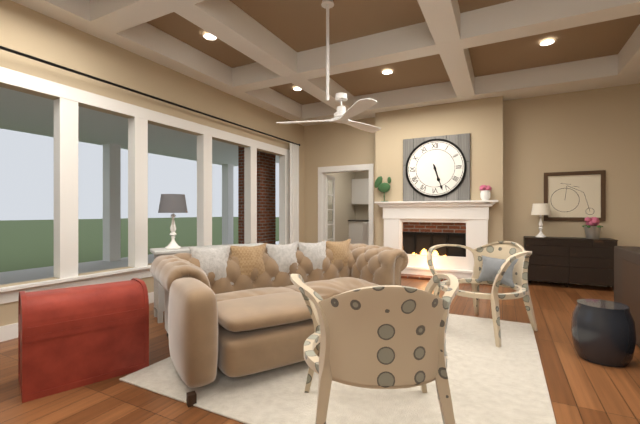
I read 5.27
